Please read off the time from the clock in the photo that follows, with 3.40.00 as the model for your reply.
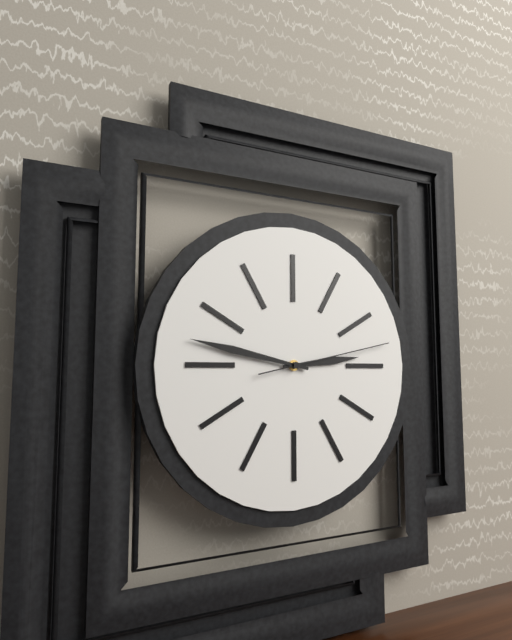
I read 2.47.13
